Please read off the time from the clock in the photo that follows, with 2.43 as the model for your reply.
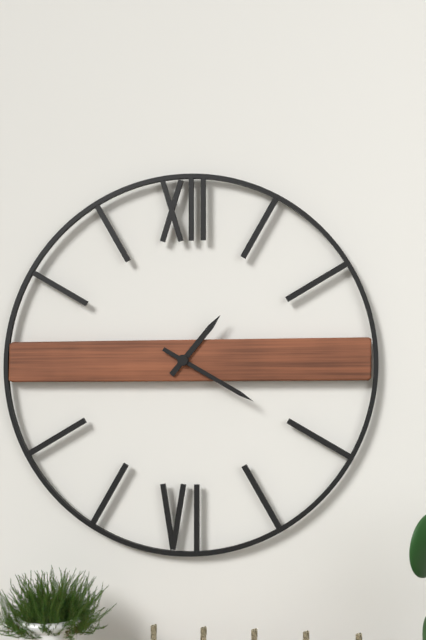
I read 1.20
